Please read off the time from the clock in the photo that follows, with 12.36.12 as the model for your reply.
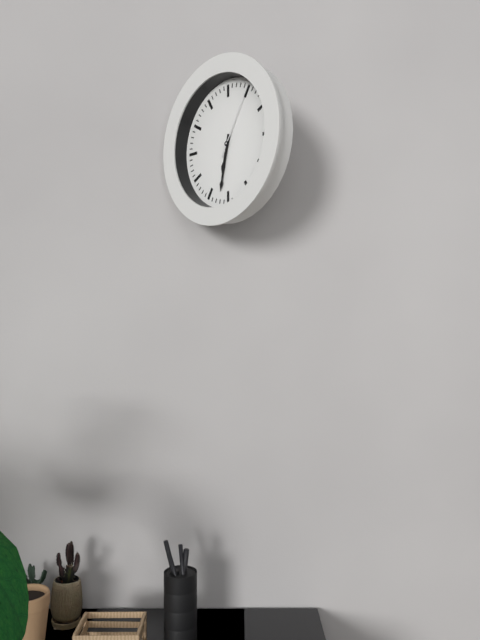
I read 6.32.05
